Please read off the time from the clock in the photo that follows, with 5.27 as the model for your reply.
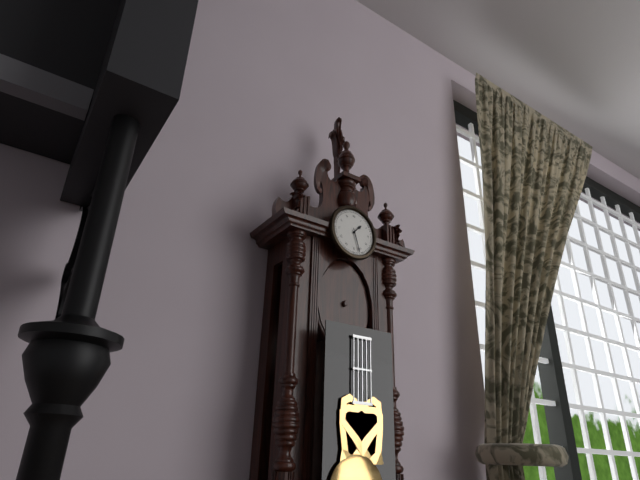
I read 1.27
